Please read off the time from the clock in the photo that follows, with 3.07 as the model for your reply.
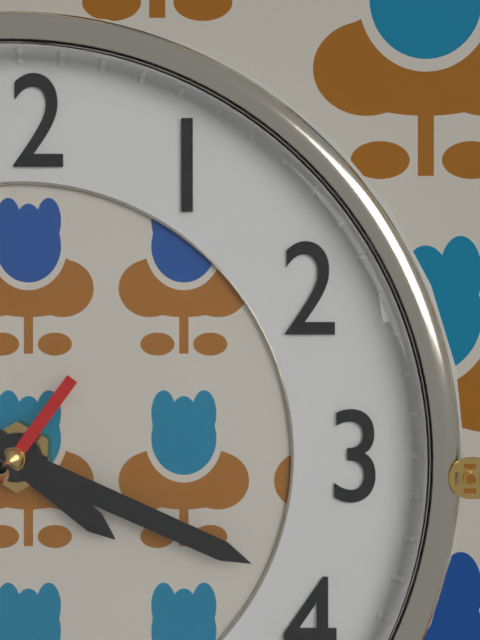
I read 4.19
